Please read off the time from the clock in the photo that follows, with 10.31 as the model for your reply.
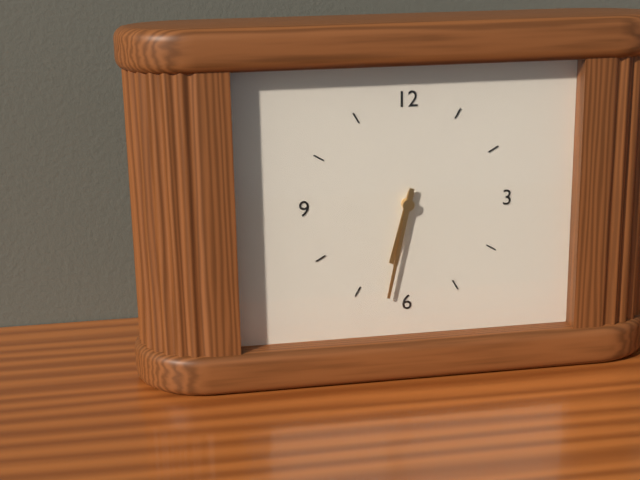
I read 6.32
